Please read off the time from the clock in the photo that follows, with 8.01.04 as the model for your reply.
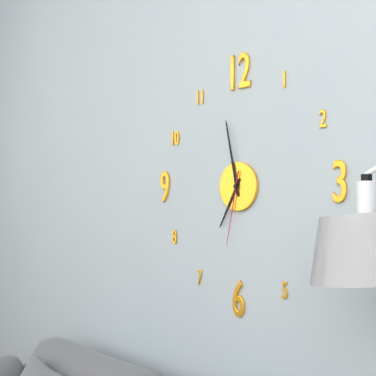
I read 6.58.32
